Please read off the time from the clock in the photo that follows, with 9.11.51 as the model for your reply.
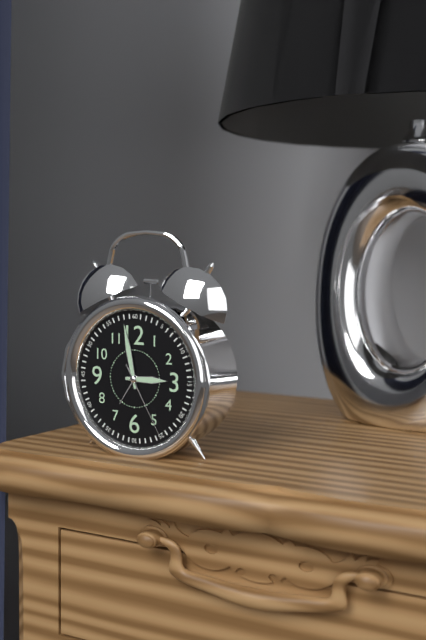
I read 2.58.25
